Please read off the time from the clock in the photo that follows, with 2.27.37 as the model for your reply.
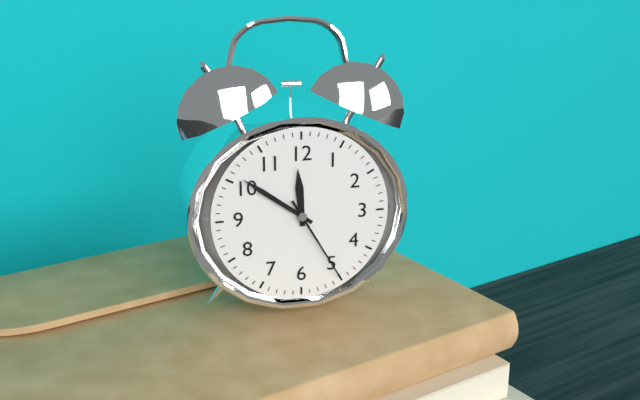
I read 11.51.25
